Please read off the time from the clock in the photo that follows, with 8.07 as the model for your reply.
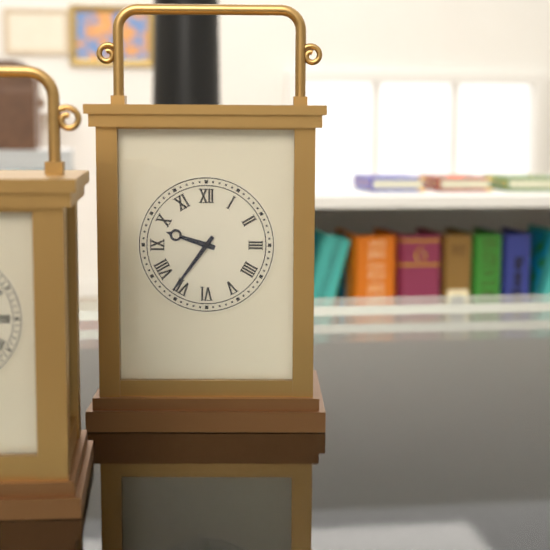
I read 9.36
